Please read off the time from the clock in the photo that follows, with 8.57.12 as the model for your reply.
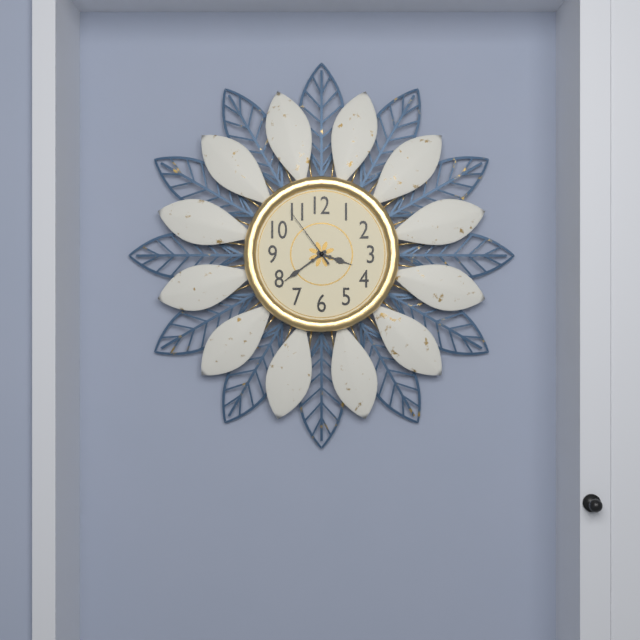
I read 3.39.54
